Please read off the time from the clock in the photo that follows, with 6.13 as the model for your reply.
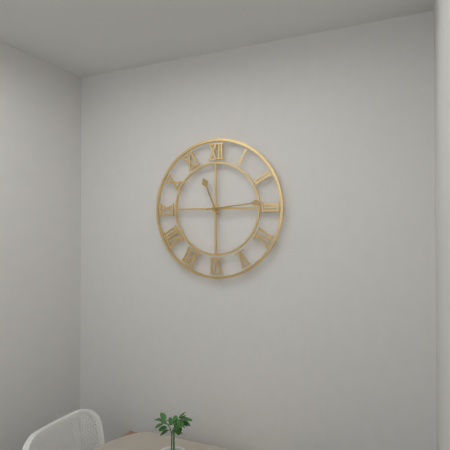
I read 11.14
